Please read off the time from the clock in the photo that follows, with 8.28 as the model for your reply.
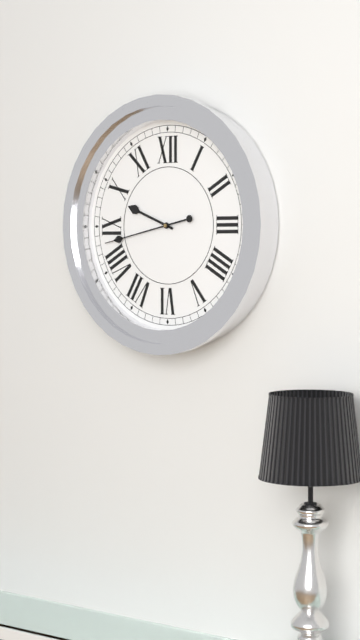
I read 9.43
